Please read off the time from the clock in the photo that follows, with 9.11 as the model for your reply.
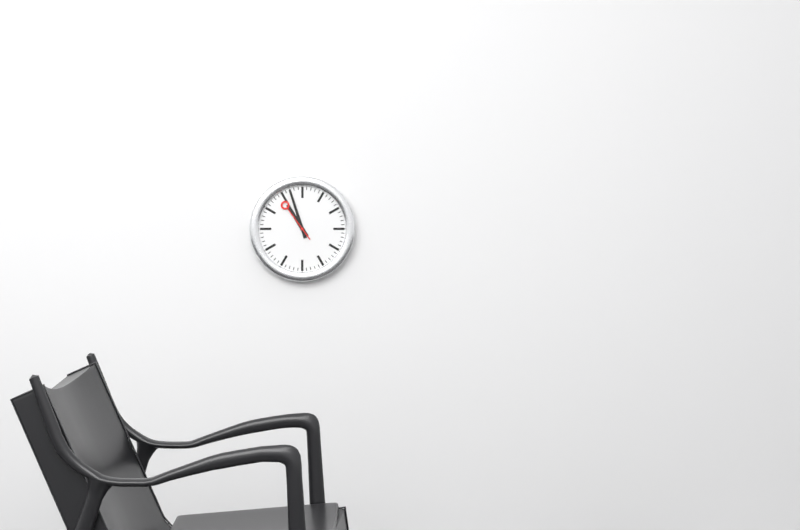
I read 10.57
